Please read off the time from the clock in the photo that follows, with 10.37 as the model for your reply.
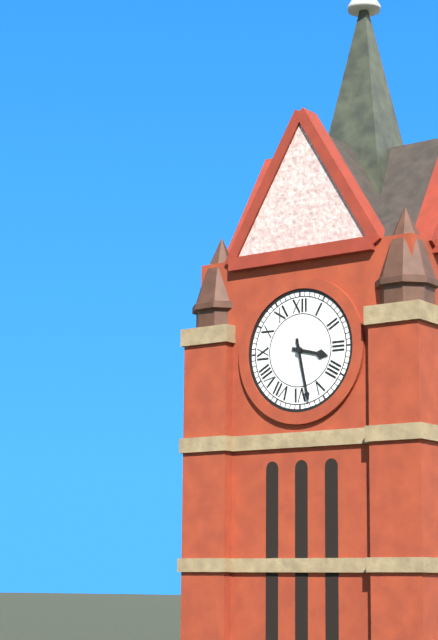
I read 3.28
